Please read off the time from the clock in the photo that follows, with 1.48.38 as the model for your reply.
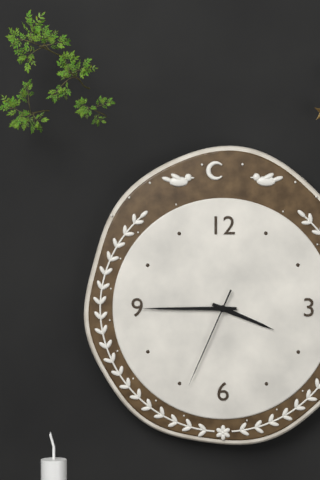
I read 3.45.34
